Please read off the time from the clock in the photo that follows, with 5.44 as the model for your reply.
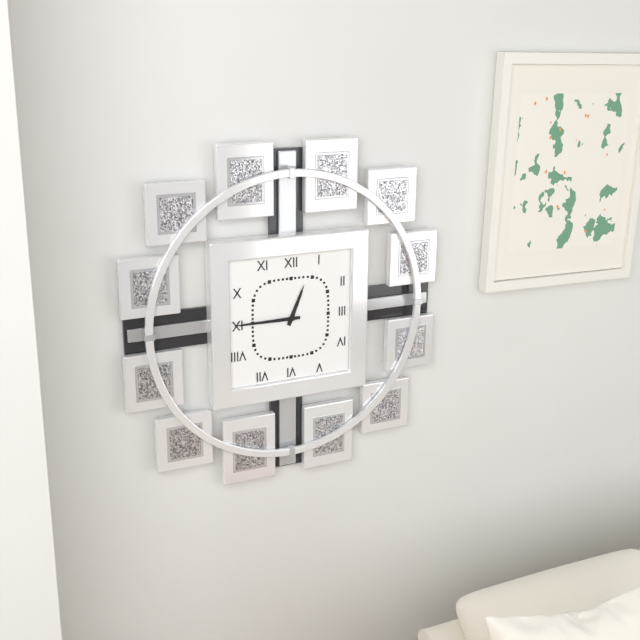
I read 12.45
